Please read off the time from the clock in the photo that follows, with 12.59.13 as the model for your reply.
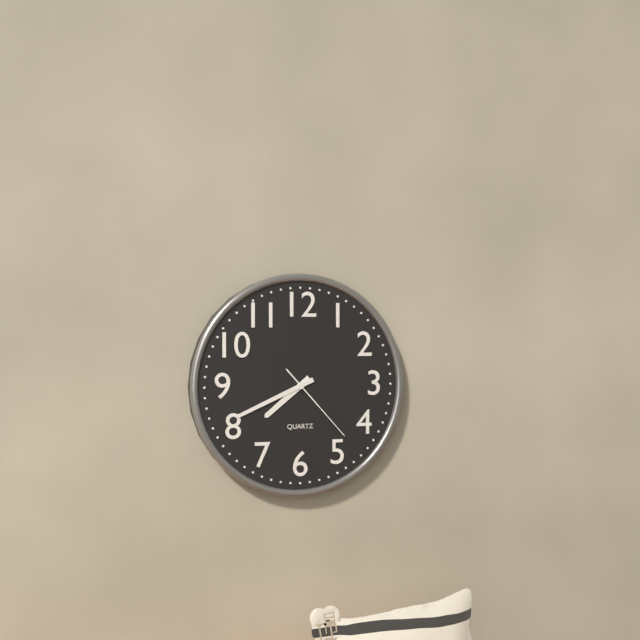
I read 7.41.23
